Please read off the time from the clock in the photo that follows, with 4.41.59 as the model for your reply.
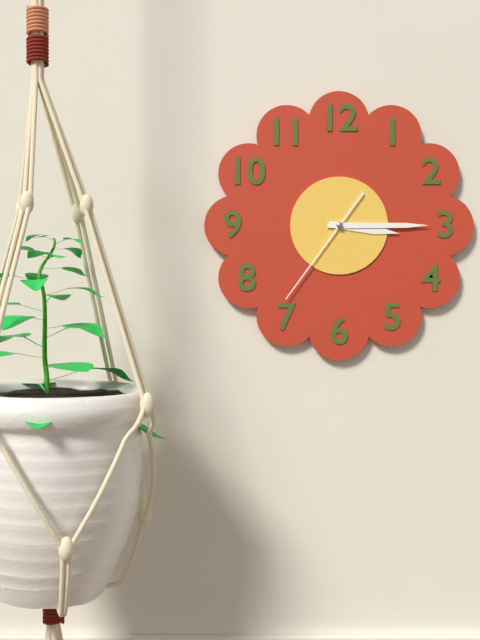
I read 3.15.36
